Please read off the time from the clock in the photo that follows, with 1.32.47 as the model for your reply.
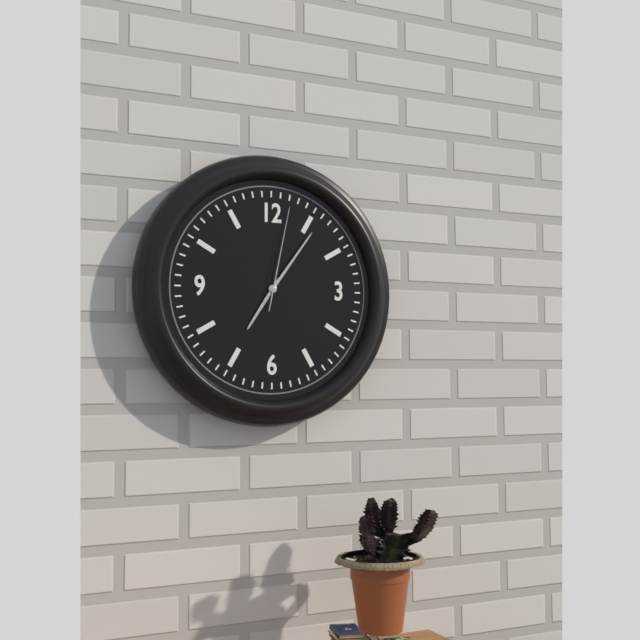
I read 7.06.02
